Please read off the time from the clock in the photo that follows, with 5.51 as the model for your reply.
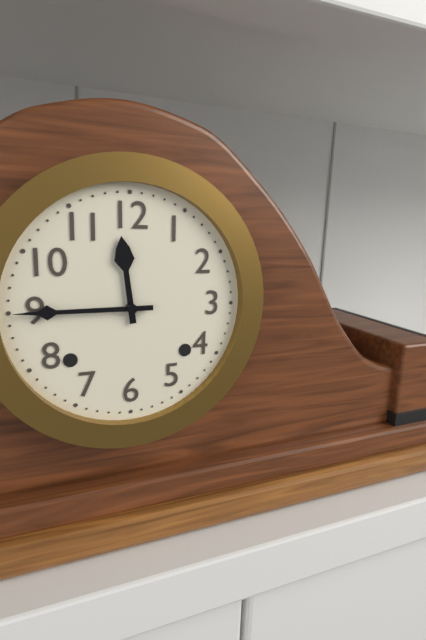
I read 11.45
